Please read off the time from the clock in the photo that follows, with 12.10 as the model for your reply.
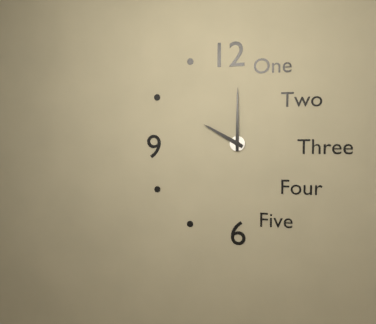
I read 10.00
